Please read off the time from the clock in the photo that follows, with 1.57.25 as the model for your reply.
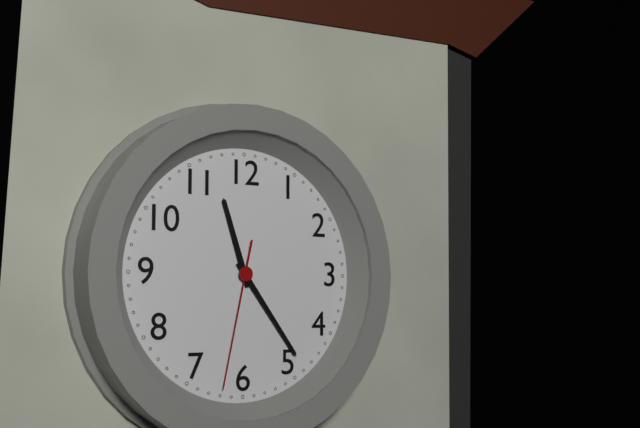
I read 11.24.32
